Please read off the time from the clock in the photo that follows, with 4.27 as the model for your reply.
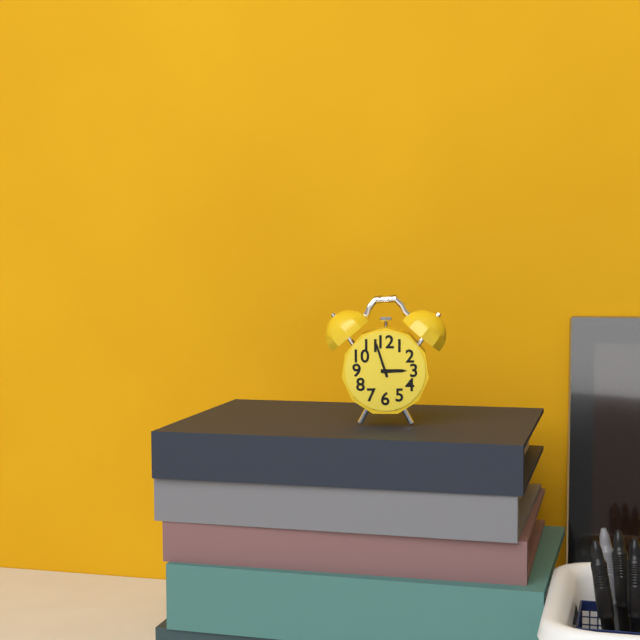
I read 2.57
